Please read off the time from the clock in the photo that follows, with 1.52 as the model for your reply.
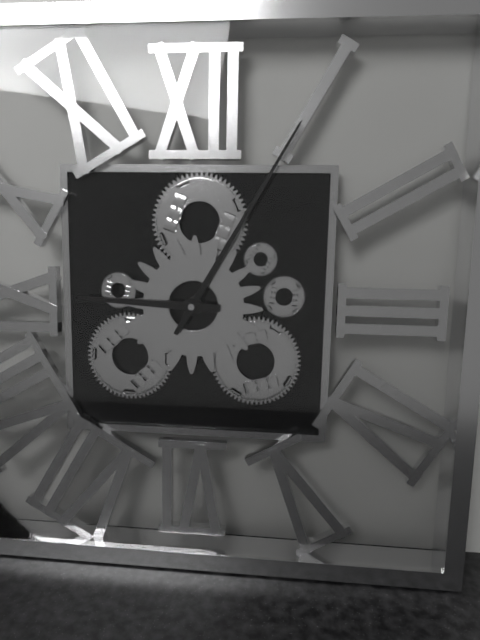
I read 9.05
